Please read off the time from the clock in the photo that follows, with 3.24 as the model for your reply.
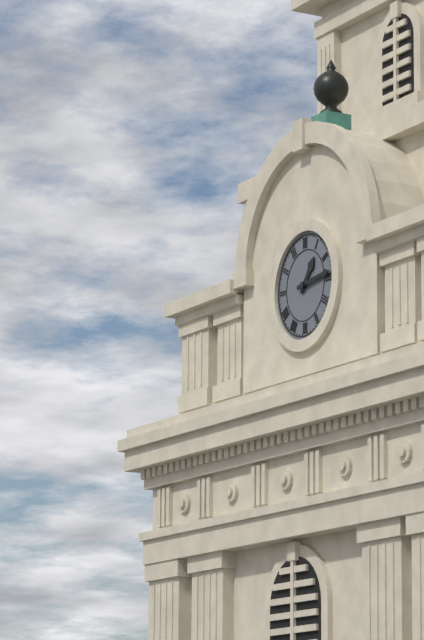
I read 1.14
